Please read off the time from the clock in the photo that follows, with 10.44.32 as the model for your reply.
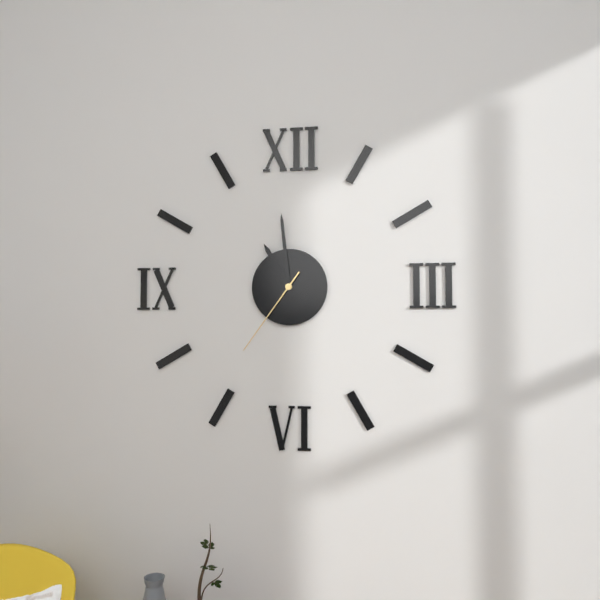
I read 10.59.36
